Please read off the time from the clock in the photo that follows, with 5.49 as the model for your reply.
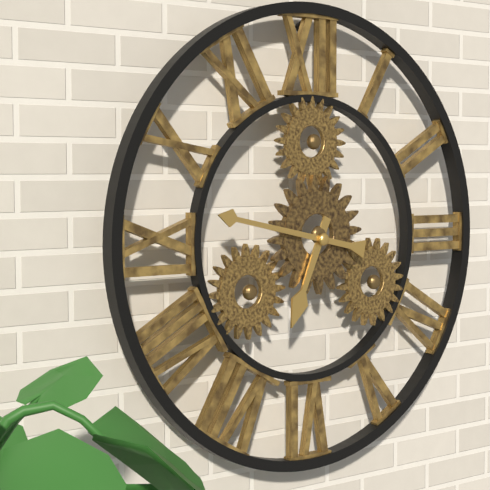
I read 6.47
